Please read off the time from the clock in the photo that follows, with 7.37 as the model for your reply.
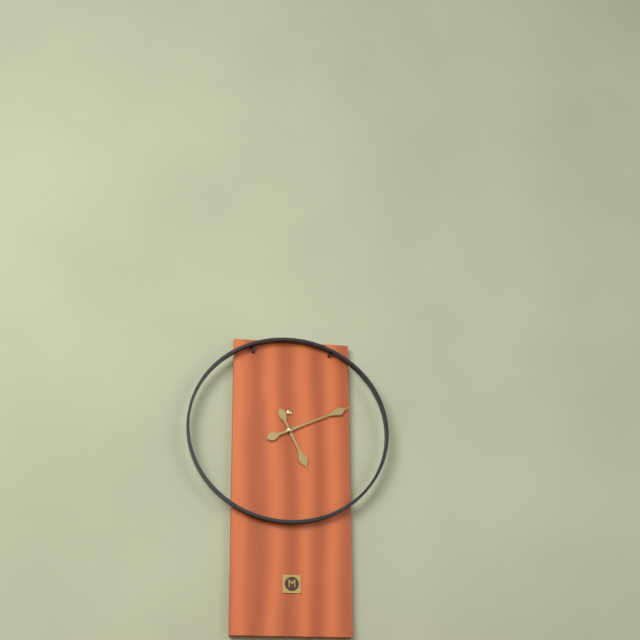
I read 5.11
